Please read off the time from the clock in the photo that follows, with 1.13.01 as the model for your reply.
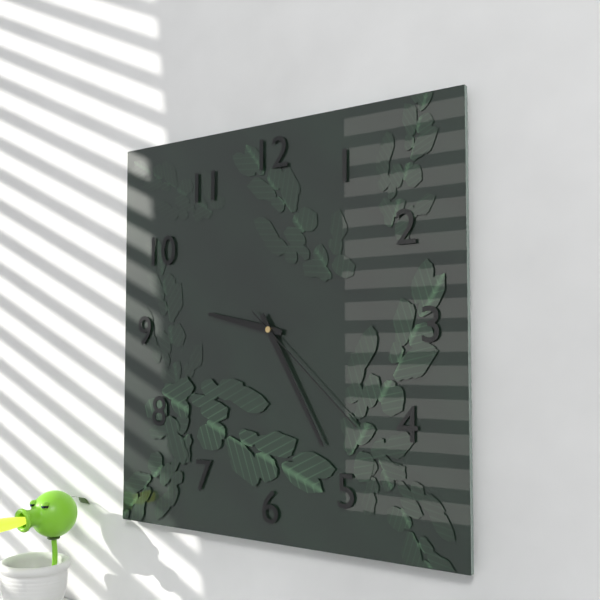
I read 9.25.22
